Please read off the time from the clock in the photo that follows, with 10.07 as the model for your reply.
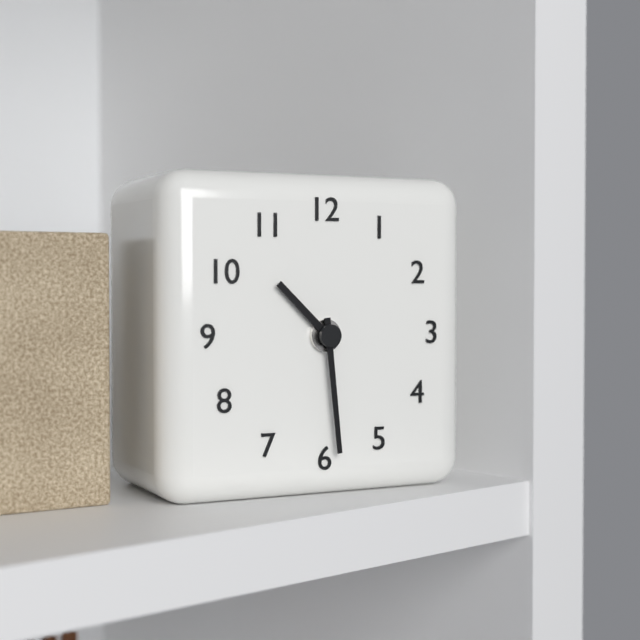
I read 10.29
